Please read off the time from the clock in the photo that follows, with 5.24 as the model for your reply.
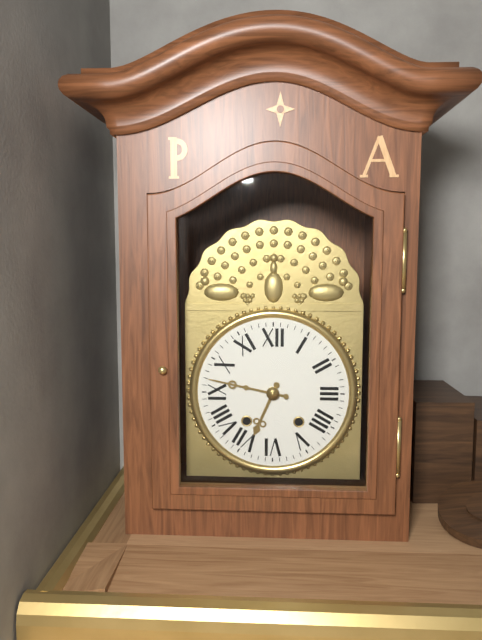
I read 6.47
